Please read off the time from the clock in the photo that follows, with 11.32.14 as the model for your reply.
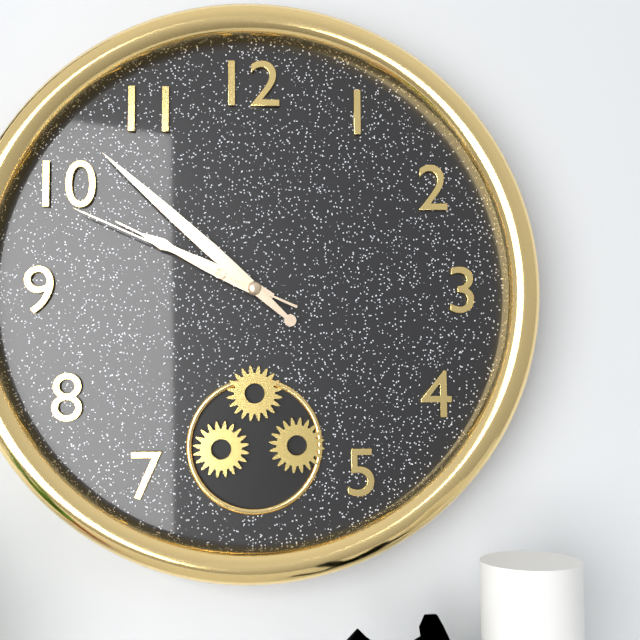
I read 9.52.49
